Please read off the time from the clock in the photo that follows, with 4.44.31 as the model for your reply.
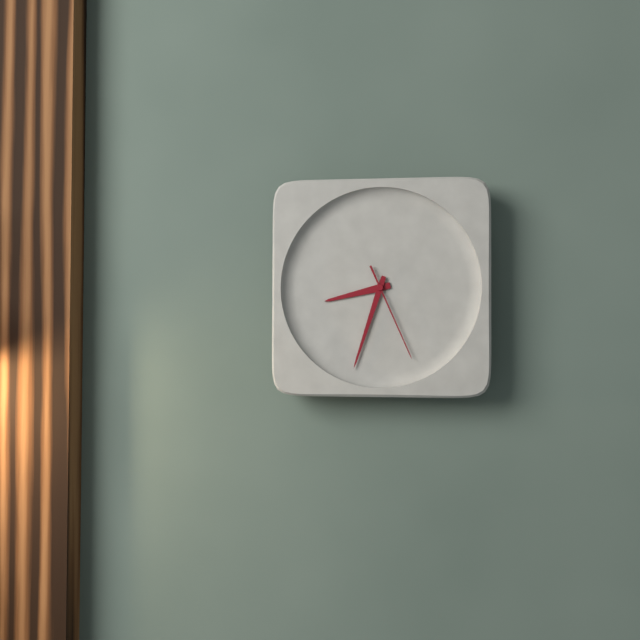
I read 8.33.26
